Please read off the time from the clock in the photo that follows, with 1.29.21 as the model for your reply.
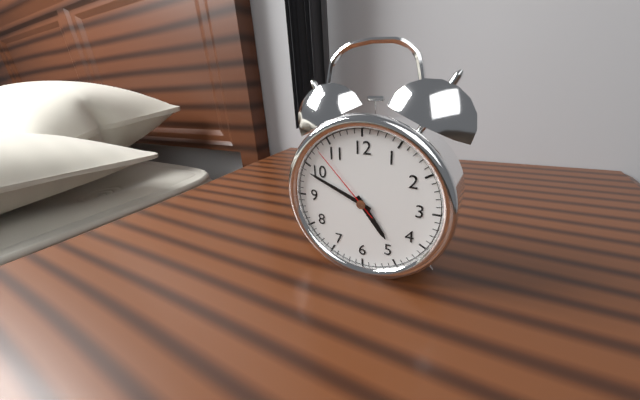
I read 4.49.53
